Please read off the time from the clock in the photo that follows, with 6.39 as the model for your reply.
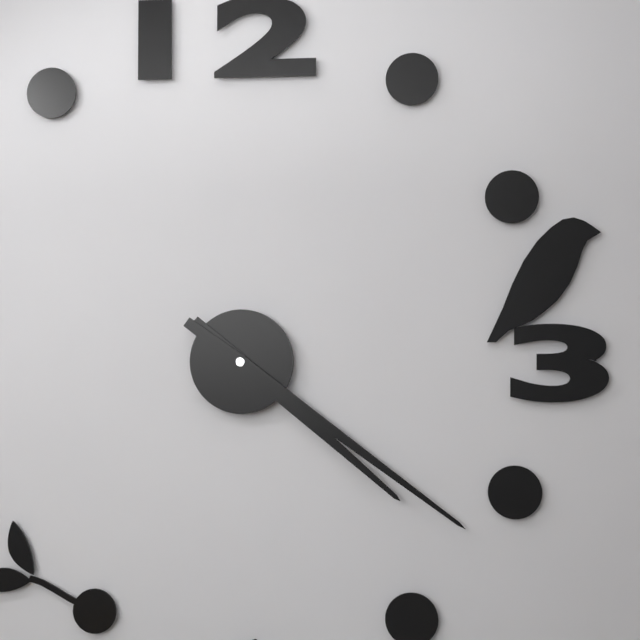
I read 4.21
